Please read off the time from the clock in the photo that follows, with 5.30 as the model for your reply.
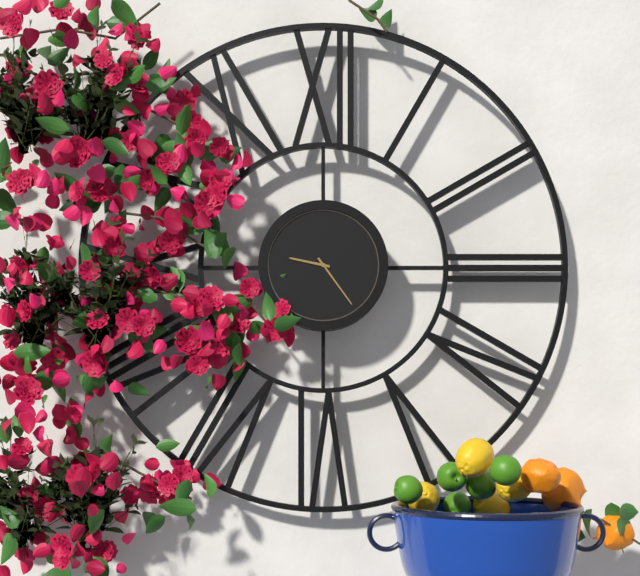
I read 9.24
